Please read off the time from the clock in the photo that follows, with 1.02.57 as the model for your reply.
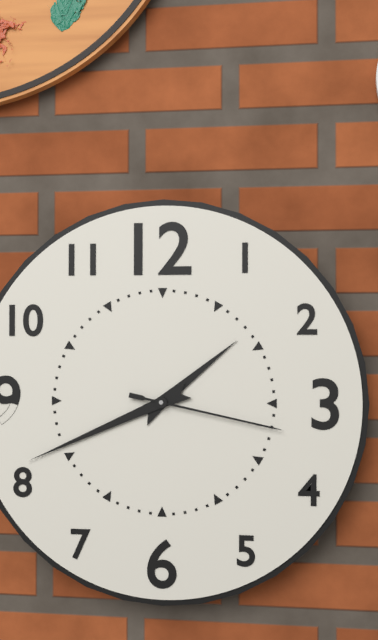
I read 1.41.17
